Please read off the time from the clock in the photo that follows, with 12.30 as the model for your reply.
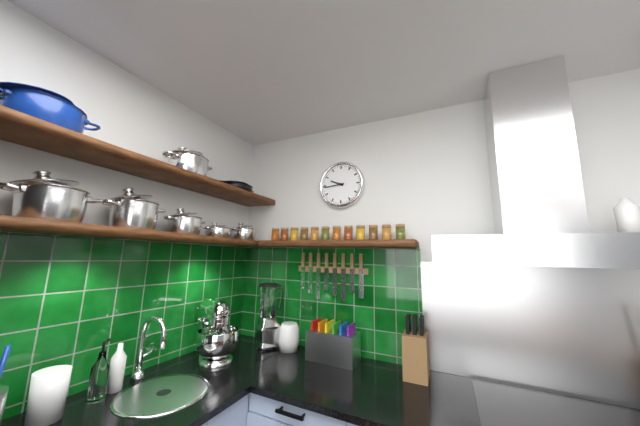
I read 9.44
